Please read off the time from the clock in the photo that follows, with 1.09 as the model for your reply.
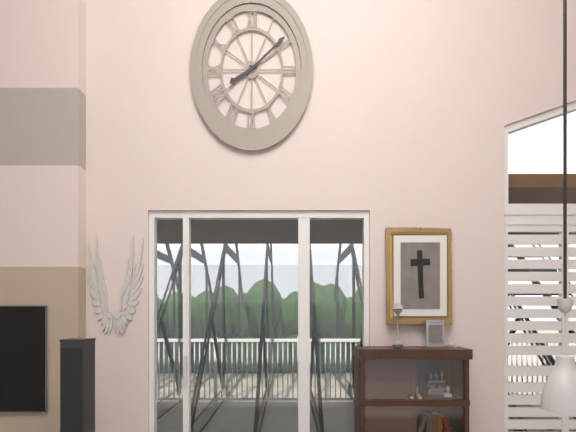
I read 8.09
